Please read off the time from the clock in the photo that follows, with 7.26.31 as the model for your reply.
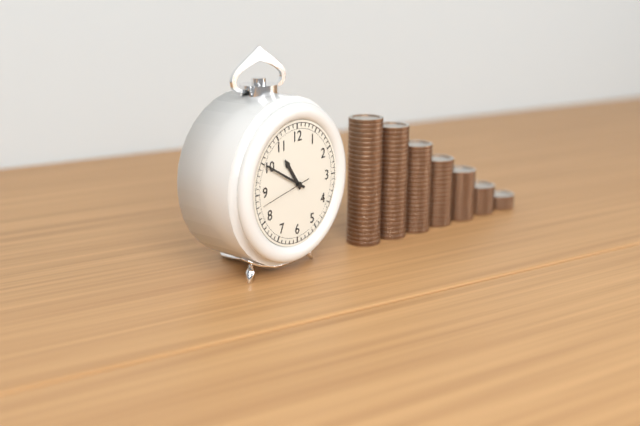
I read 10.50.43
